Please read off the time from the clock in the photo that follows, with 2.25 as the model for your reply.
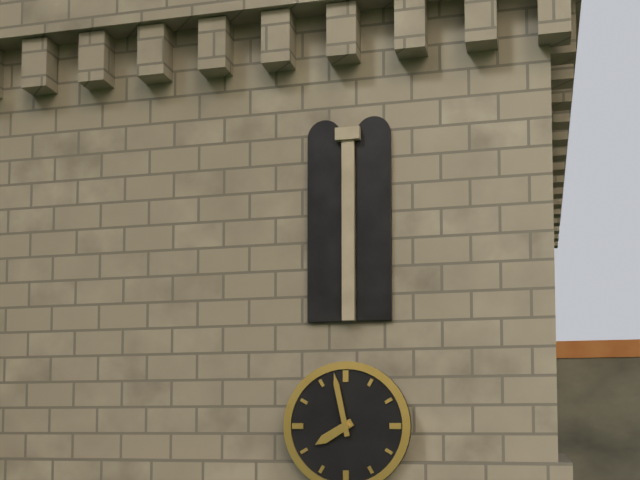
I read 7.58
